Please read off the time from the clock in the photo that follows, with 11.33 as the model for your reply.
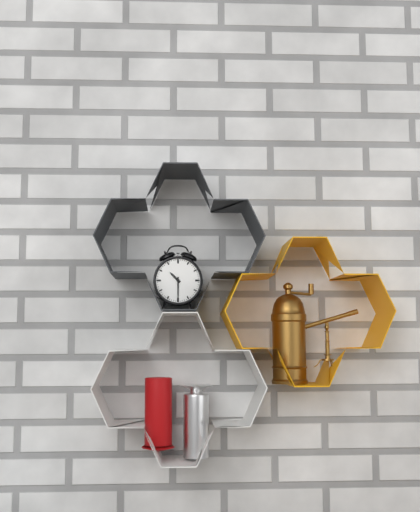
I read 10.30
